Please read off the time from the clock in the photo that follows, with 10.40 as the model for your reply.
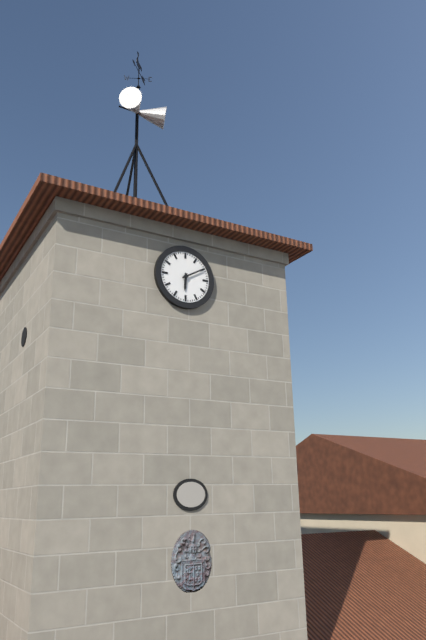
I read 6.10
